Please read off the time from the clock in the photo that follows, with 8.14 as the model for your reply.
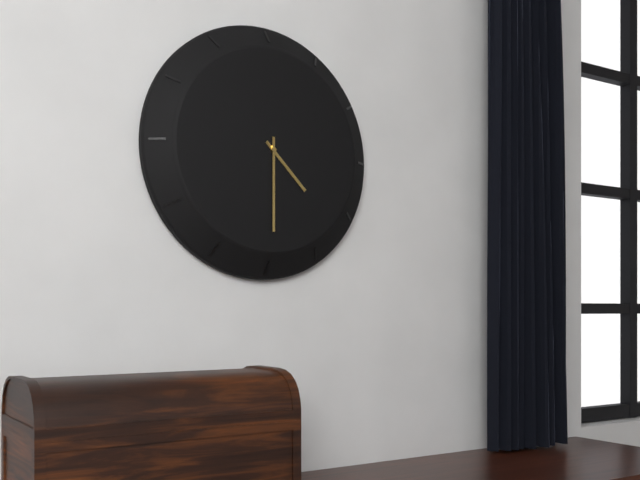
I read 4.30
